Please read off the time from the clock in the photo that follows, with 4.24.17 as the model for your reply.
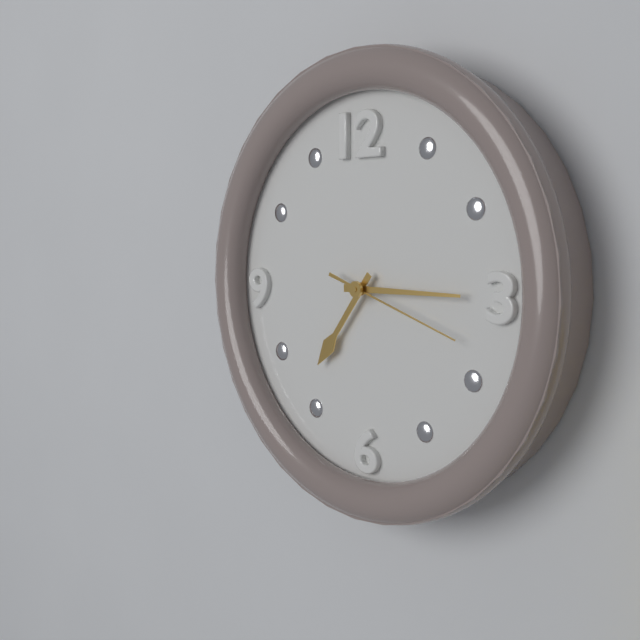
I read 7.15.18
